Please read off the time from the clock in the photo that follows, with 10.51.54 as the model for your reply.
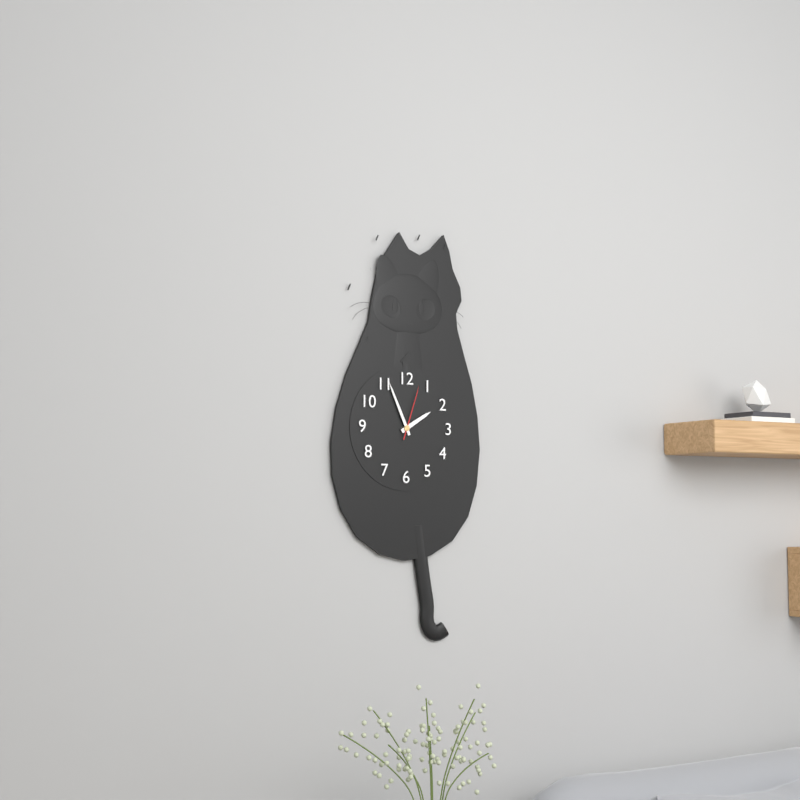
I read 1.56.03
